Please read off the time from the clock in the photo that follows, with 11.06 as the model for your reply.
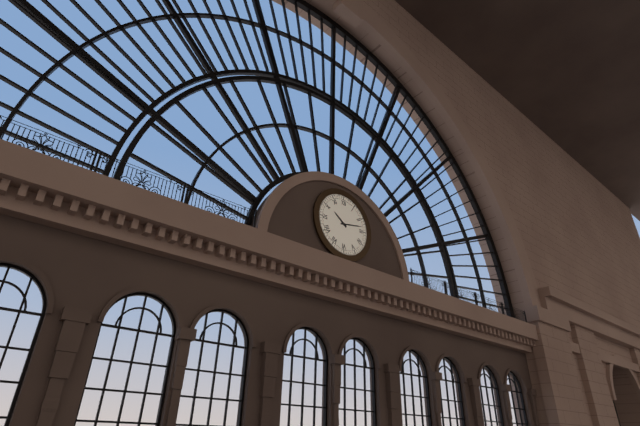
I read 10.13
